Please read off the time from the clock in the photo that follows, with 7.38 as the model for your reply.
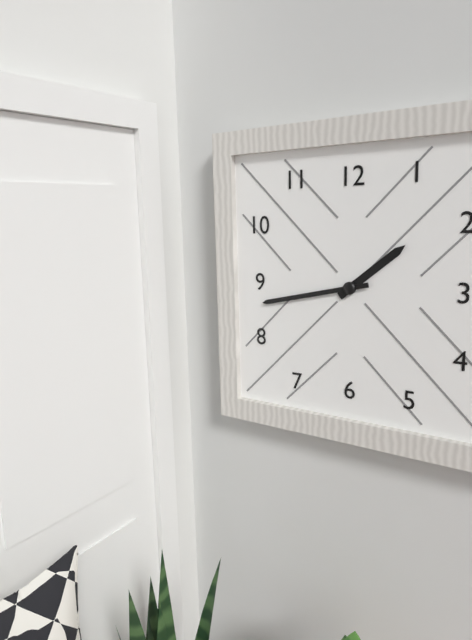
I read 1.43
